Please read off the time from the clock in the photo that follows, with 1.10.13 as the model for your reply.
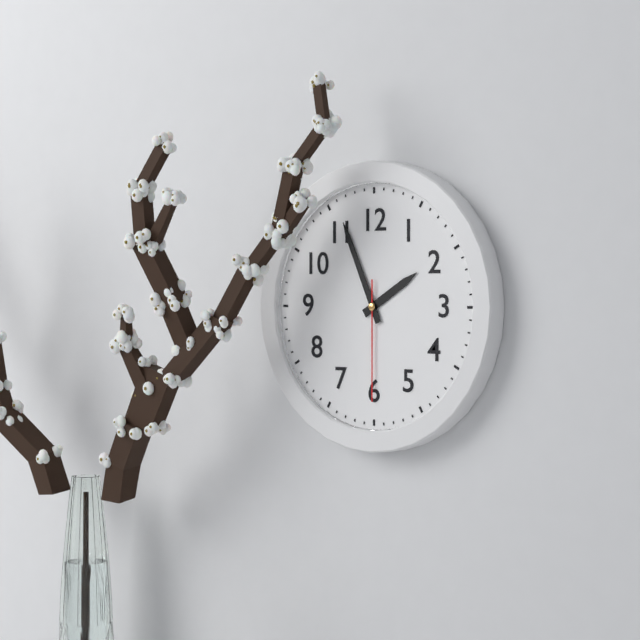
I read 1.56.30
